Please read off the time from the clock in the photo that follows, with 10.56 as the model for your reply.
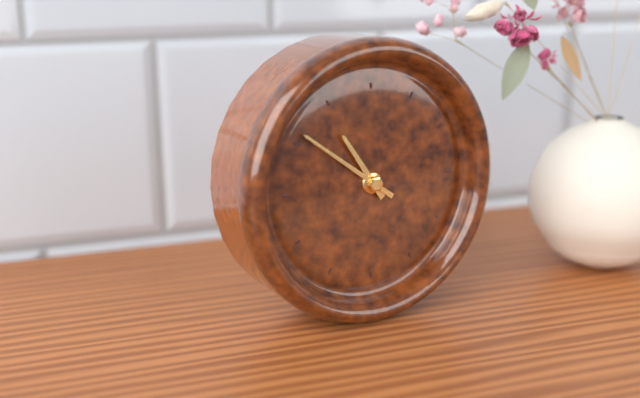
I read 10.51
